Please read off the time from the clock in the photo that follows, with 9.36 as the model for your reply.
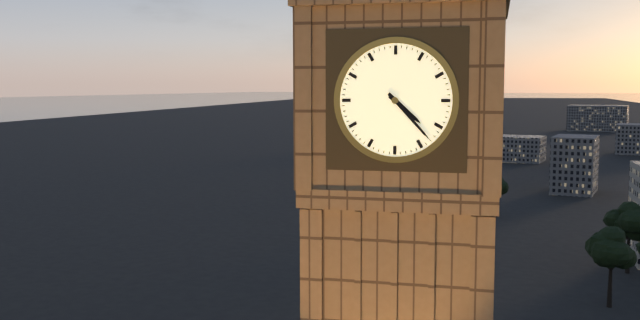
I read 4.23
